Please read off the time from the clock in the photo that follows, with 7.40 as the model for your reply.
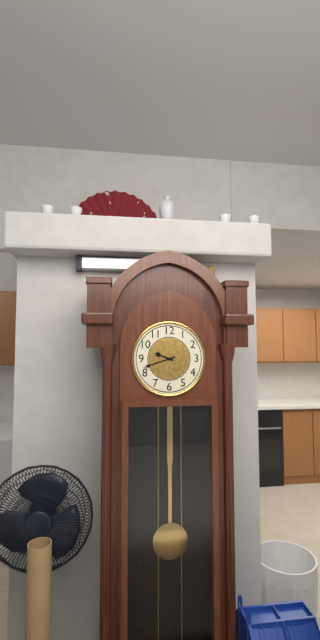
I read 9.42
